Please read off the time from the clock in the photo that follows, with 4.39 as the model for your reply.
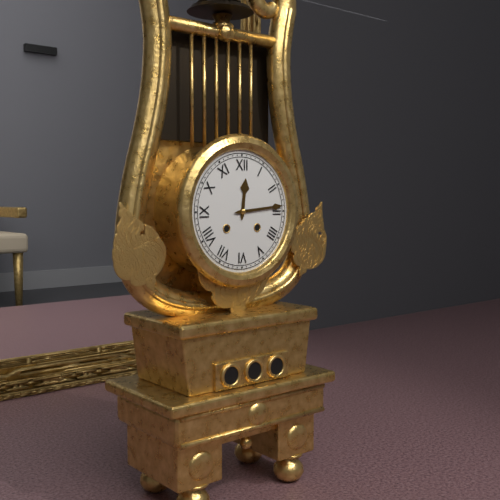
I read 12.14
